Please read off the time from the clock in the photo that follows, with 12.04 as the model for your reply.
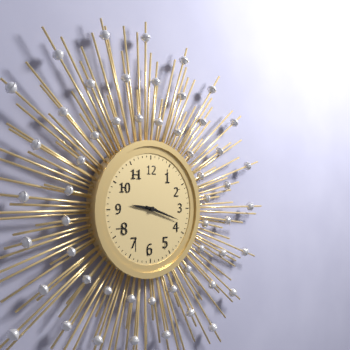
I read 9.18
